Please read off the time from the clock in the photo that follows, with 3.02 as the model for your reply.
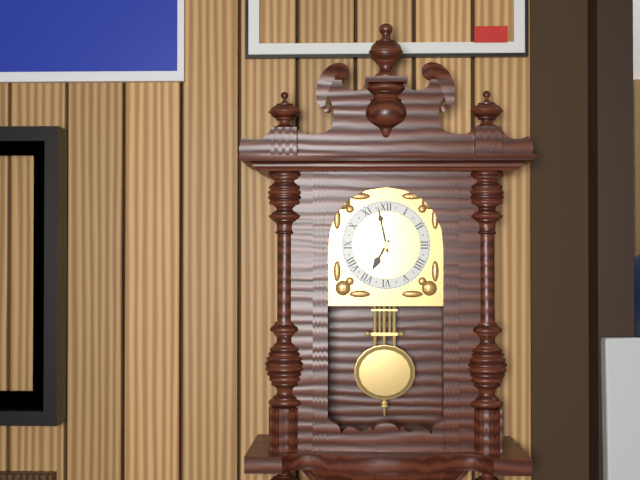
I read 6.58
